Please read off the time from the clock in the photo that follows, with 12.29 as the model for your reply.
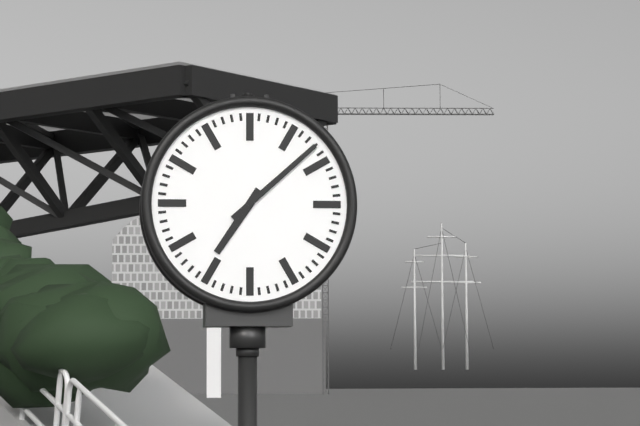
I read 7.08
